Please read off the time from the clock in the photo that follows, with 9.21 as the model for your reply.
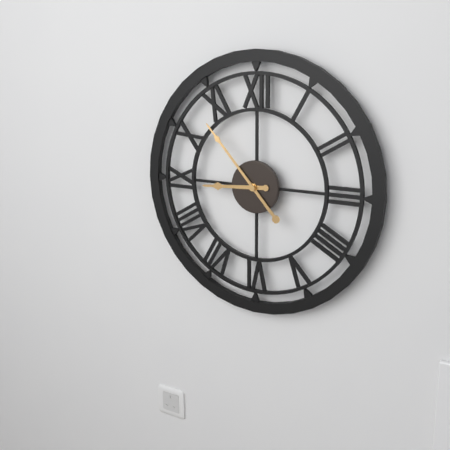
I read 8.53
